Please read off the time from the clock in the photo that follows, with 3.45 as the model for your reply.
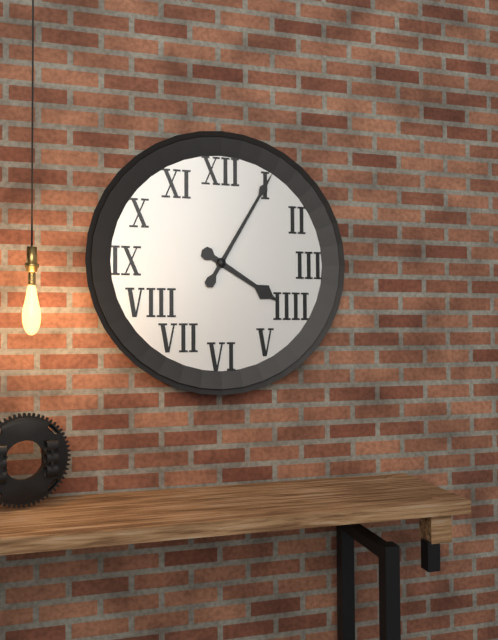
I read 4.05
